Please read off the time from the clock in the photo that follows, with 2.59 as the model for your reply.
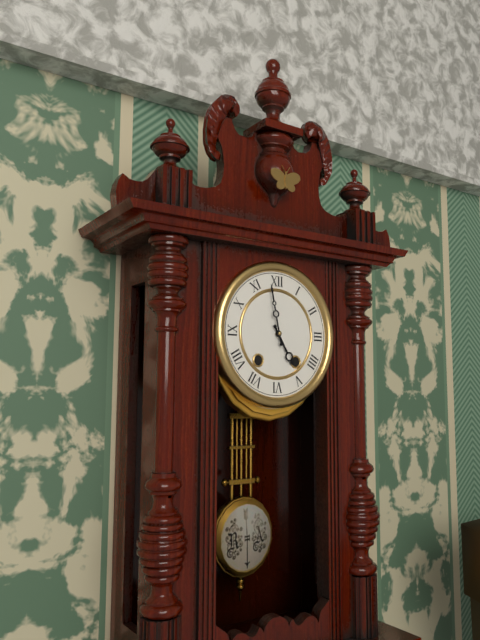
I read 4.58
